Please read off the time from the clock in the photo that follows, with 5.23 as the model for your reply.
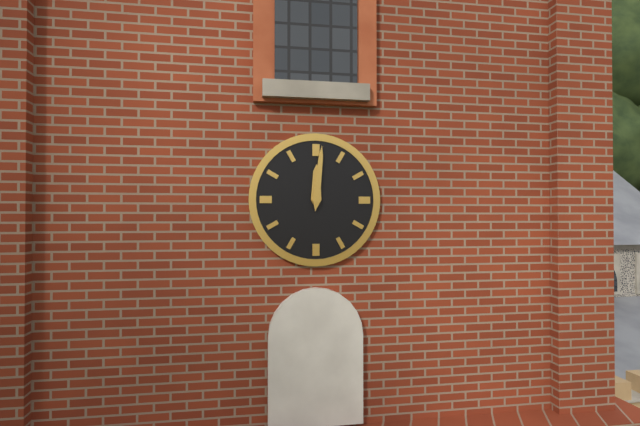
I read 12.01
